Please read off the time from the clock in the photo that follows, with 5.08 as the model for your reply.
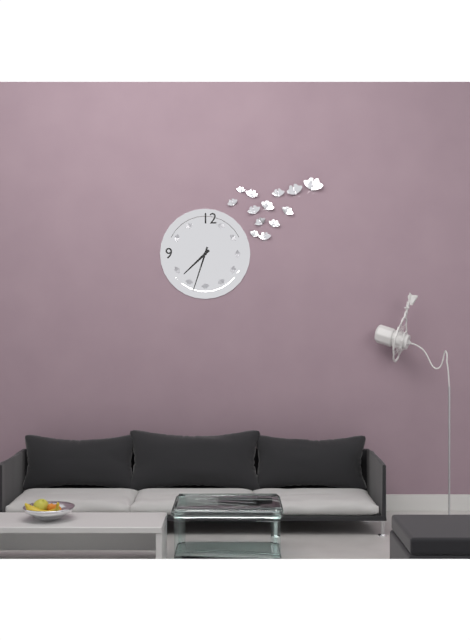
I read 7.33
